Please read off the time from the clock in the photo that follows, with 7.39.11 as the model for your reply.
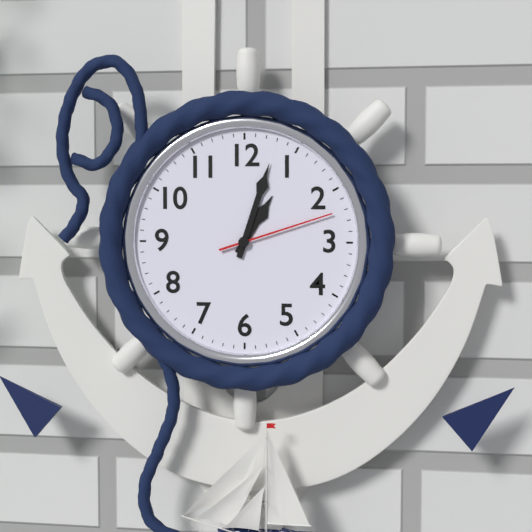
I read 1.03.12
